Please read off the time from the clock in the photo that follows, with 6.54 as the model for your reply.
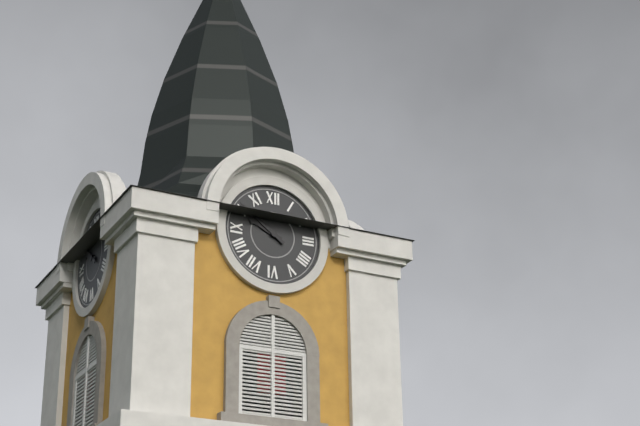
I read 9.51
